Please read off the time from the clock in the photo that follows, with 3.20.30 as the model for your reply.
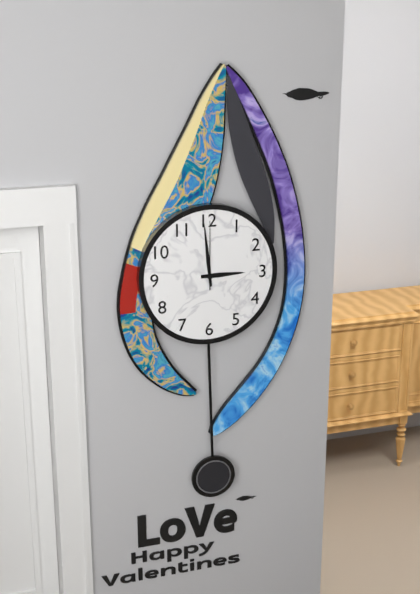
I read 2.59.00
